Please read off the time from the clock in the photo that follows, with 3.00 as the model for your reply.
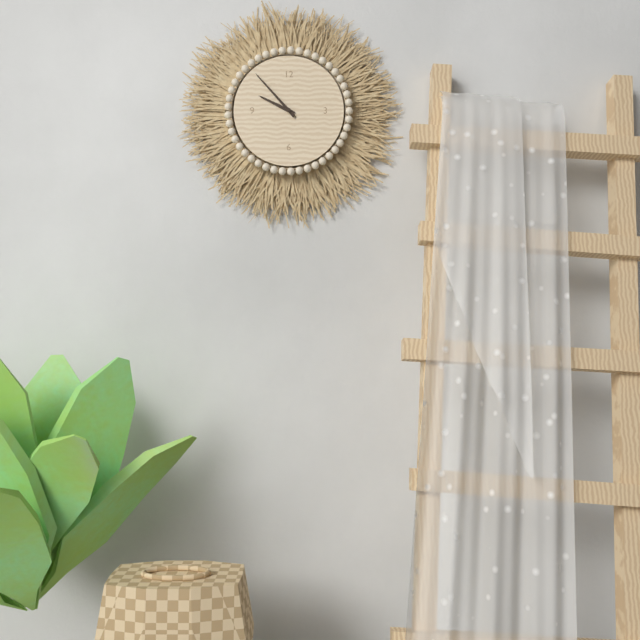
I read 9.53
